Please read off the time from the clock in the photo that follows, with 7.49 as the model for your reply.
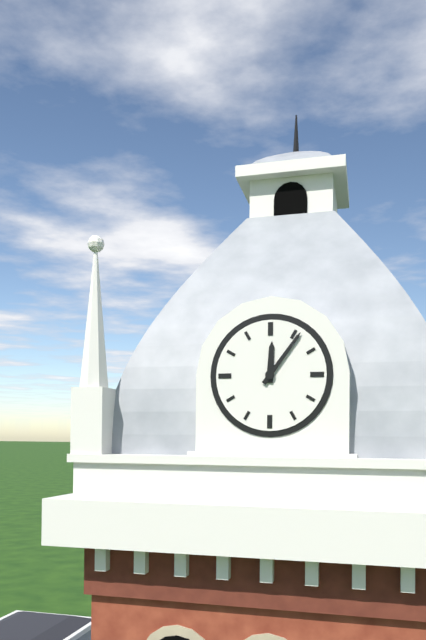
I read 12.06
